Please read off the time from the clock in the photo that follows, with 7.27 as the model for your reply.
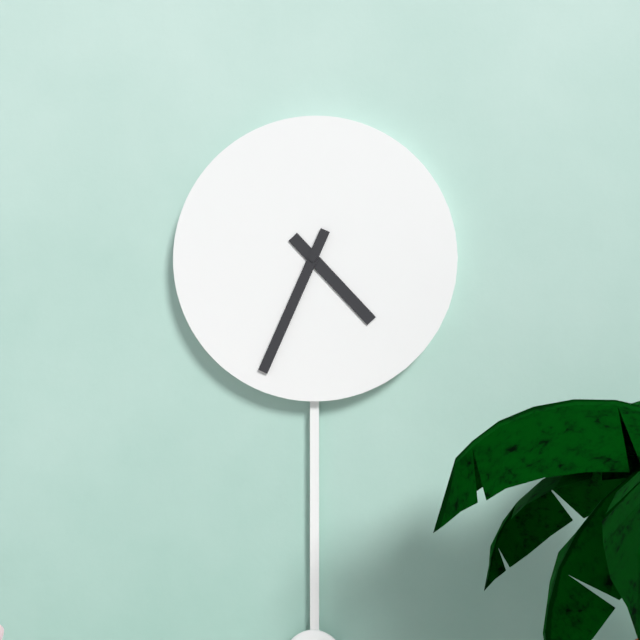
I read 4.34
